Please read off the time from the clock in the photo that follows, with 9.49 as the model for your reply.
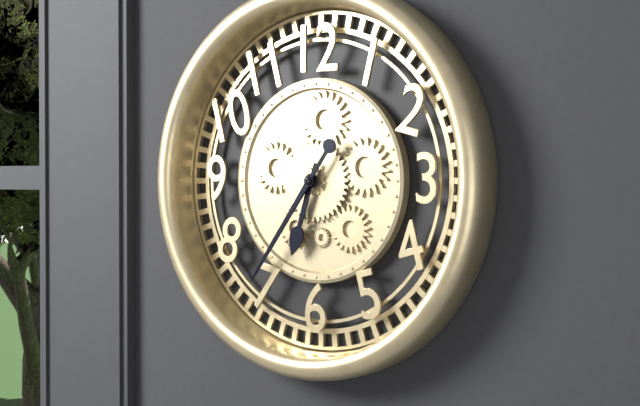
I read 6.36
